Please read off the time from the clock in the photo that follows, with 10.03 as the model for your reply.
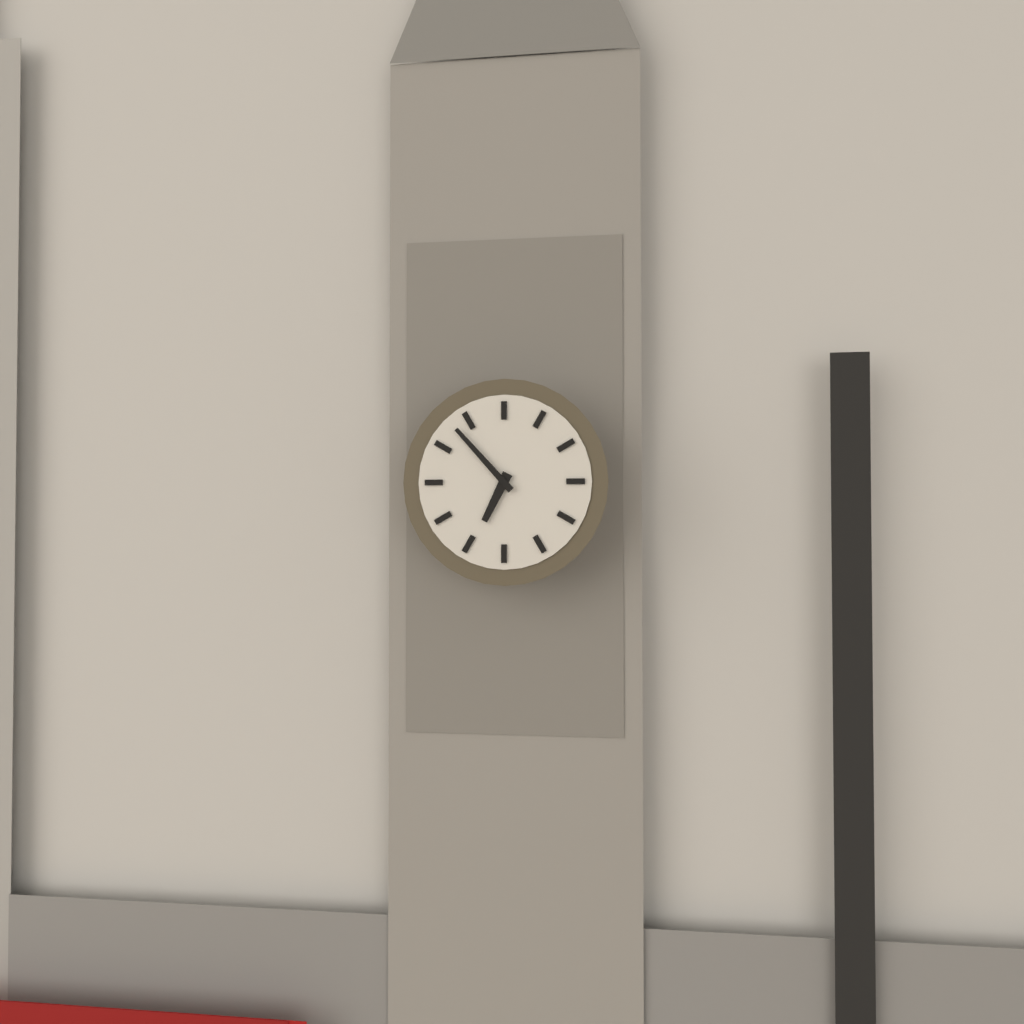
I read 6.53
